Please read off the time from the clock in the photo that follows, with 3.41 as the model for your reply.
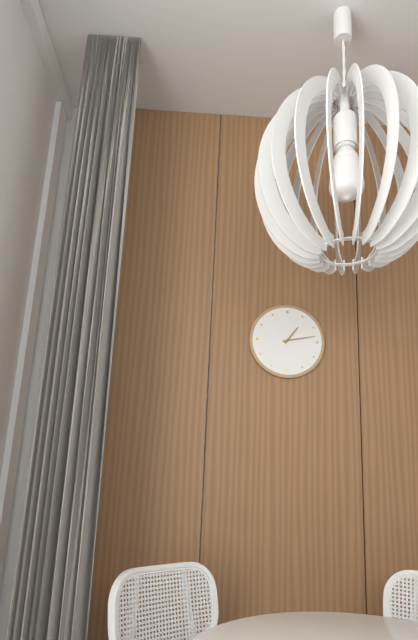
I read 1.13
